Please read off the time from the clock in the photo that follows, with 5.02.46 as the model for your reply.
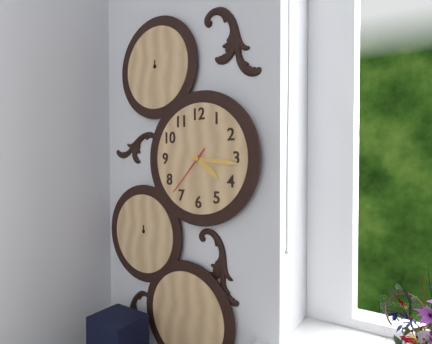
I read 4.16.37
